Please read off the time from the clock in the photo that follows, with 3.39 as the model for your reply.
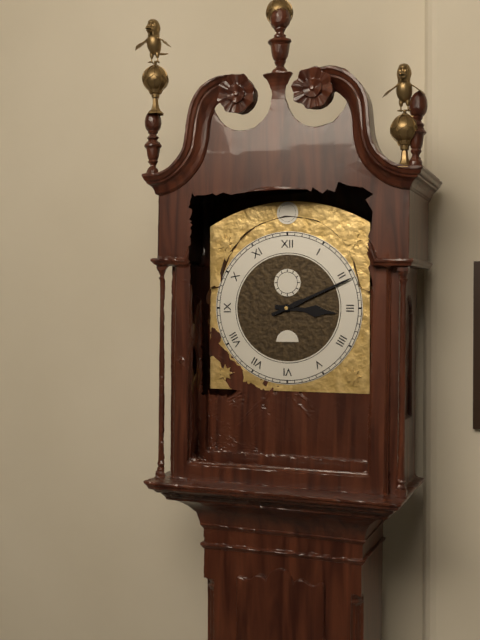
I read 3.11
